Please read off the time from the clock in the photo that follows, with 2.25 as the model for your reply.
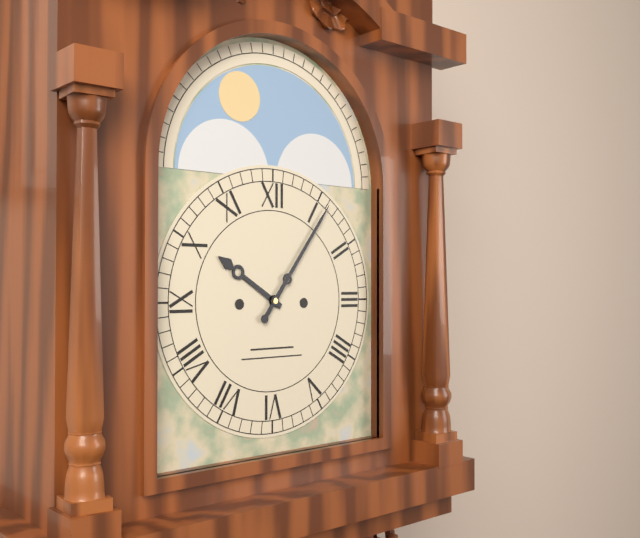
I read 10.06
